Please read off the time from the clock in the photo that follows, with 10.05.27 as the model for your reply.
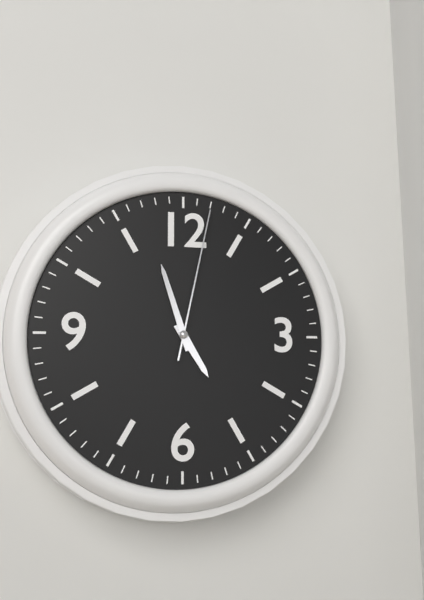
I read 4.57.02
